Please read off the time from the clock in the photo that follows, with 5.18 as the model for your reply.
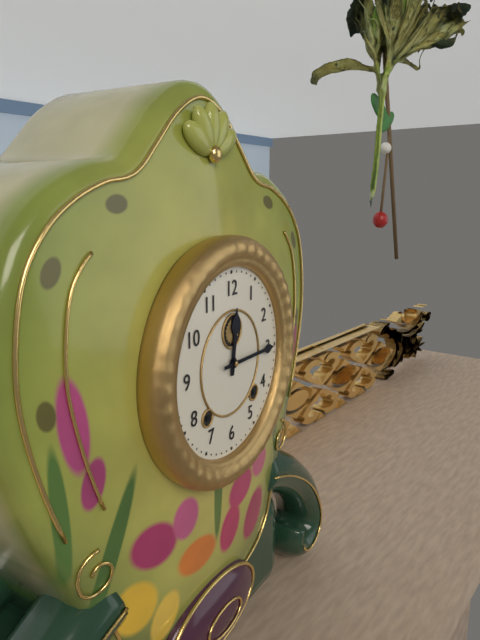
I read 12.15
